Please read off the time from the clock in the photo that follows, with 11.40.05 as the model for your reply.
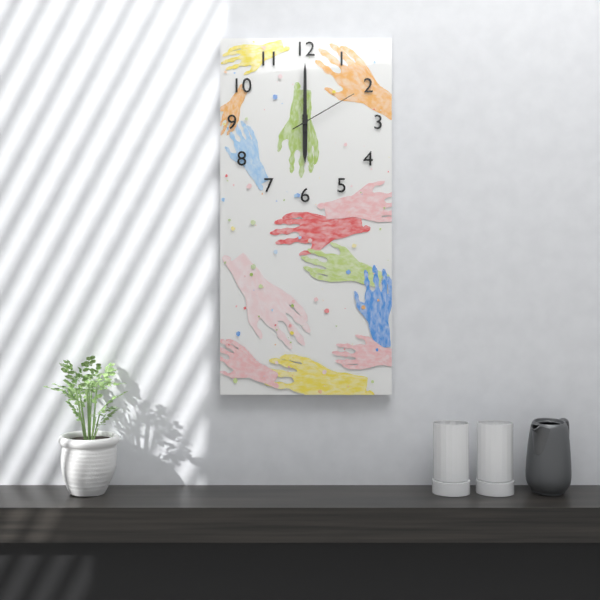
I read 6.00.10
